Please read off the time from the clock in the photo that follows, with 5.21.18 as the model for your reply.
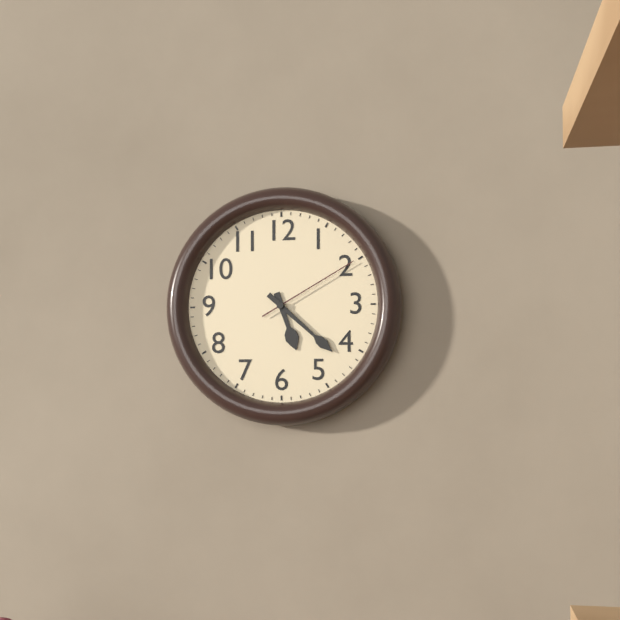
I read 5.22.10
